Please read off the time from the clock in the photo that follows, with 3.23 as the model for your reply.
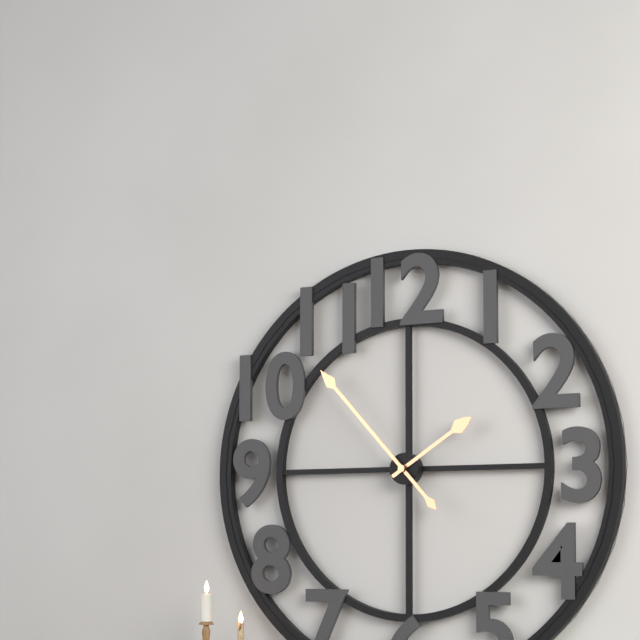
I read 1.53
